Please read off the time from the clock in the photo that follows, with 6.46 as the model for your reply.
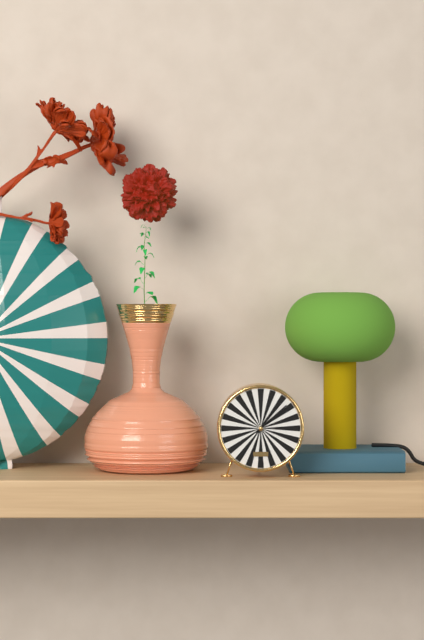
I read 1.08
